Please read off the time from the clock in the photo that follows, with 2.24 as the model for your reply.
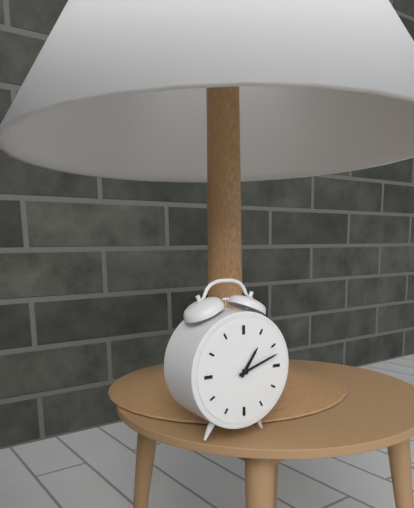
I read 1.12
